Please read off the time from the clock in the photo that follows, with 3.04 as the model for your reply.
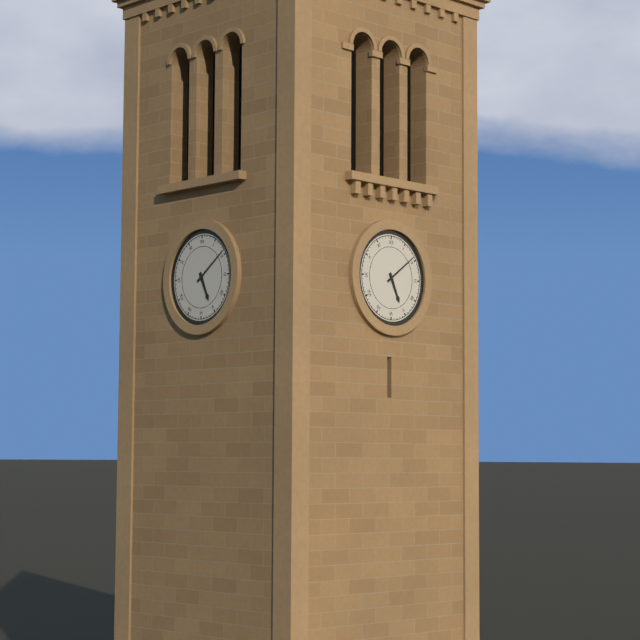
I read 5.09
